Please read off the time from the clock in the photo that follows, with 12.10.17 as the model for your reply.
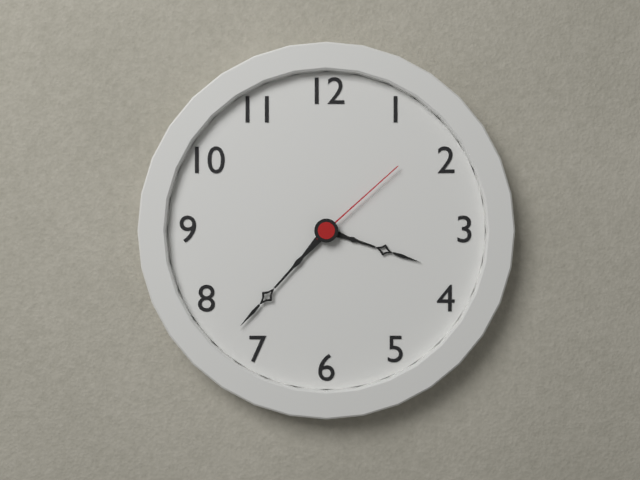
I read 3.37.08
